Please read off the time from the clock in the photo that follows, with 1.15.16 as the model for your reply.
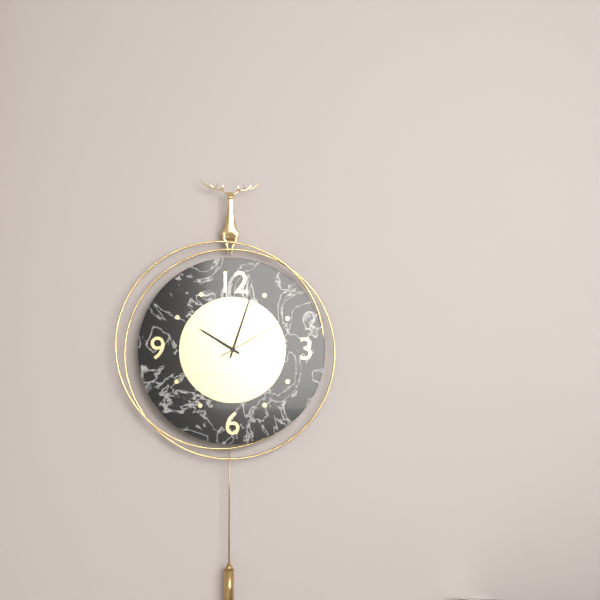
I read 10.03.10
